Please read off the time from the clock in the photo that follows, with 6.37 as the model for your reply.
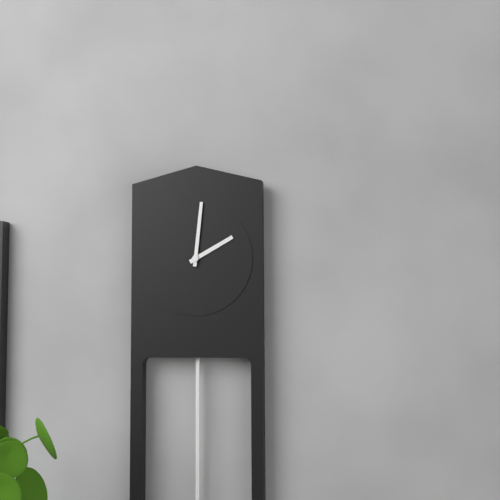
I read 2.01
